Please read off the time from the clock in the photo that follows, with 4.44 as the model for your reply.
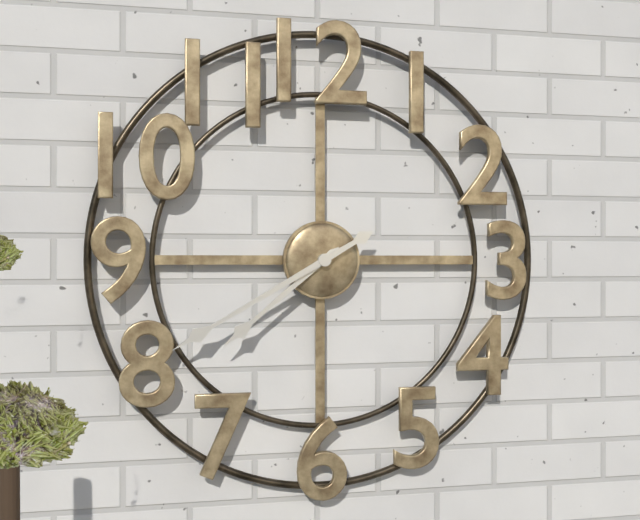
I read 7.40
